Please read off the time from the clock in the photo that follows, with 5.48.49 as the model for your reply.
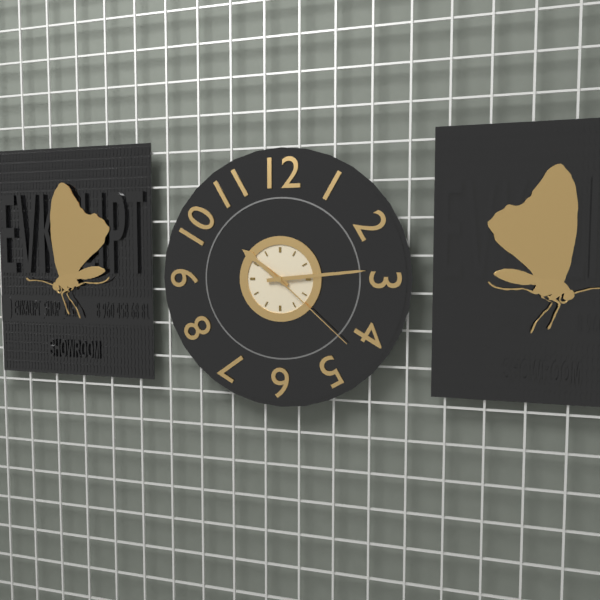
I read 10.14.22
